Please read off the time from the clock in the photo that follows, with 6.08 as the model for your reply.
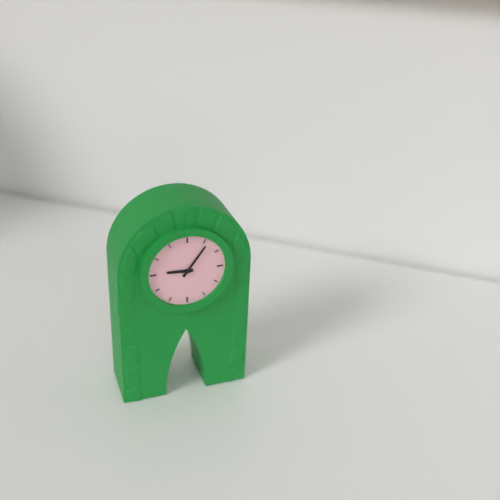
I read 9.06
